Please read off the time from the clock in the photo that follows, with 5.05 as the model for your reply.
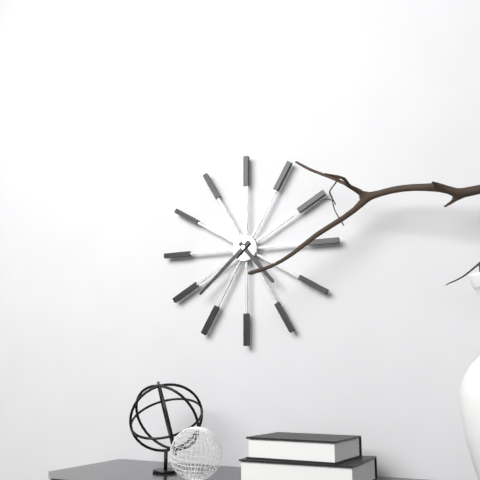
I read 4.38
